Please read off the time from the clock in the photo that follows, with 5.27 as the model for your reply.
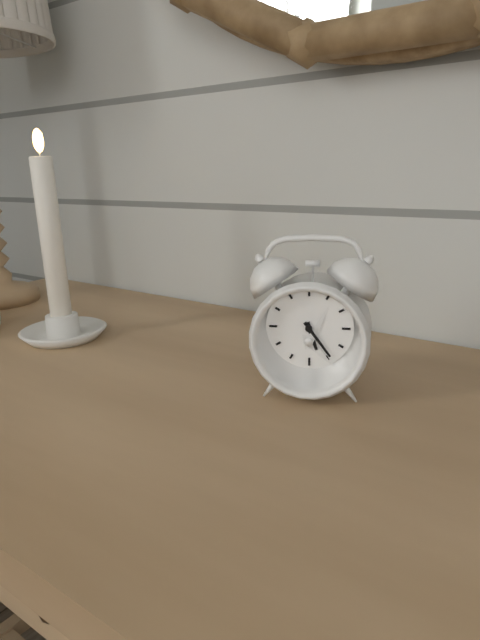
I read 5.24
